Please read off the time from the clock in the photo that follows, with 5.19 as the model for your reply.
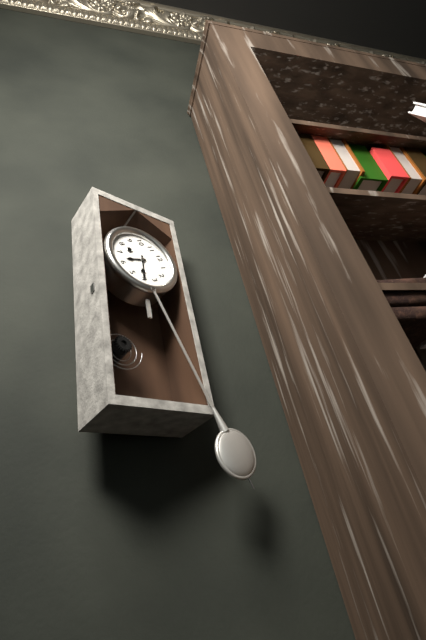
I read 6.20
